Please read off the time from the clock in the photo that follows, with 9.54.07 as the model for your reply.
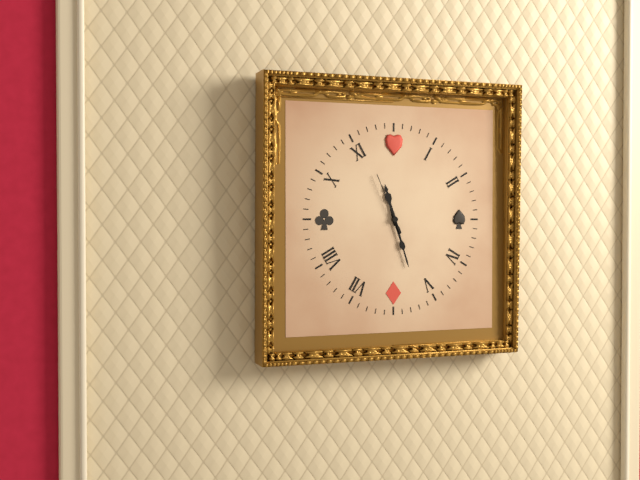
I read 11.27.56
